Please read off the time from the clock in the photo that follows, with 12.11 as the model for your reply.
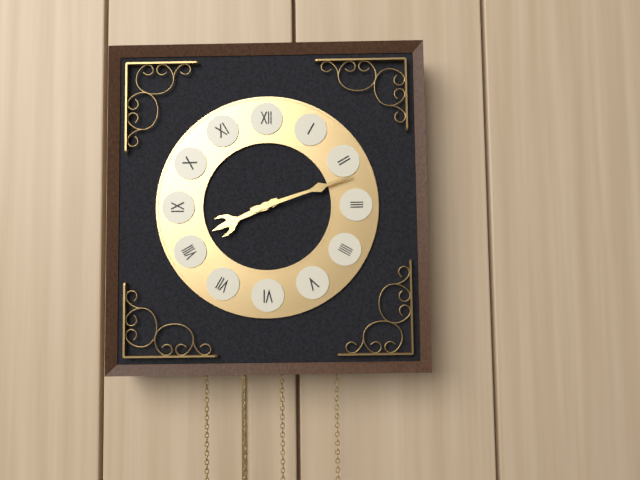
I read 8.12
